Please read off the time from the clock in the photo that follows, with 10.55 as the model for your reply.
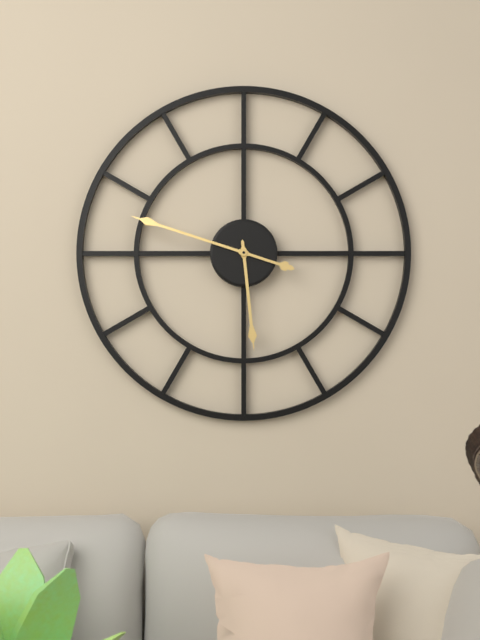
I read 5.48
